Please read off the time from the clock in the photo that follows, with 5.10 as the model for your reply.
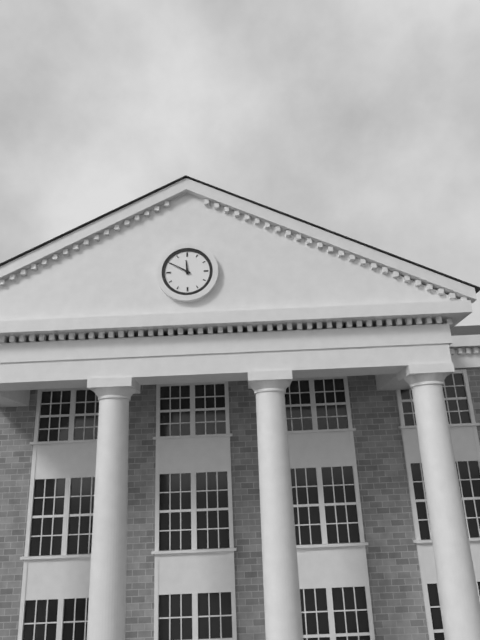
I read 11.50
